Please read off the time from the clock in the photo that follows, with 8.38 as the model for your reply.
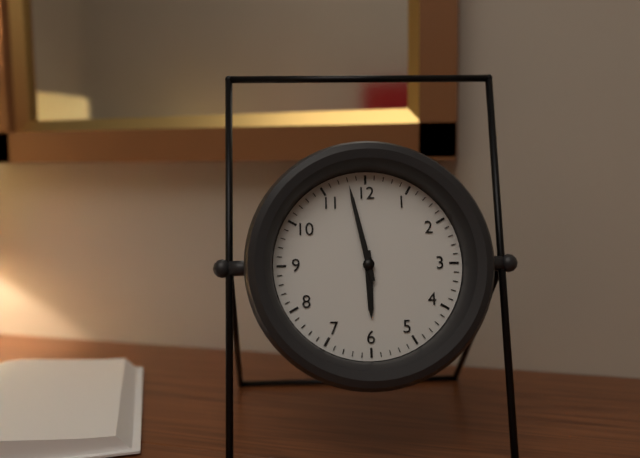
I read 5.58
